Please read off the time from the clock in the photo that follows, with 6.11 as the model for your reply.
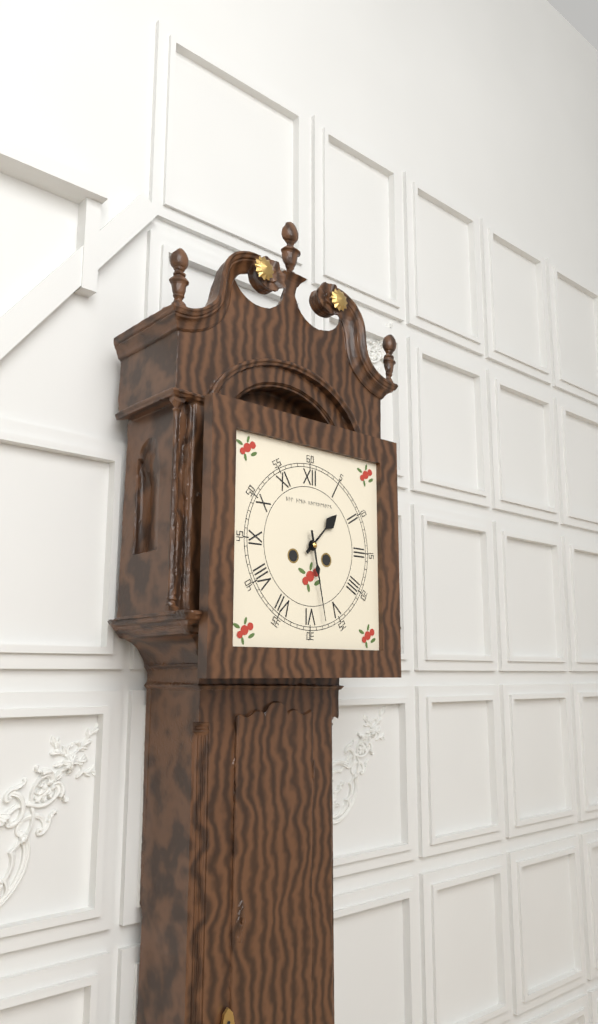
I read 1.28
